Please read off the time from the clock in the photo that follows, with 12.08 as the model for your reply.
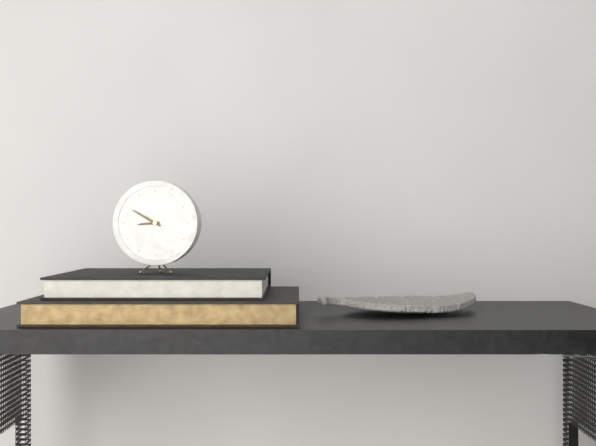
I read 8.50
